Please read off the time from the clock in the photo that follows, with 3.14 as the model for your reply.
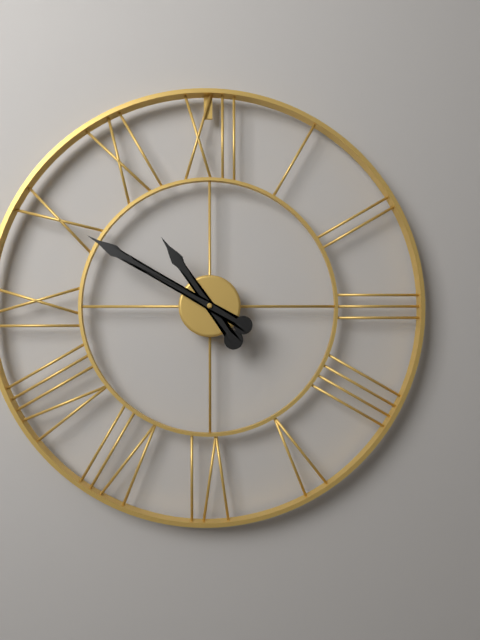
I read 10.50
